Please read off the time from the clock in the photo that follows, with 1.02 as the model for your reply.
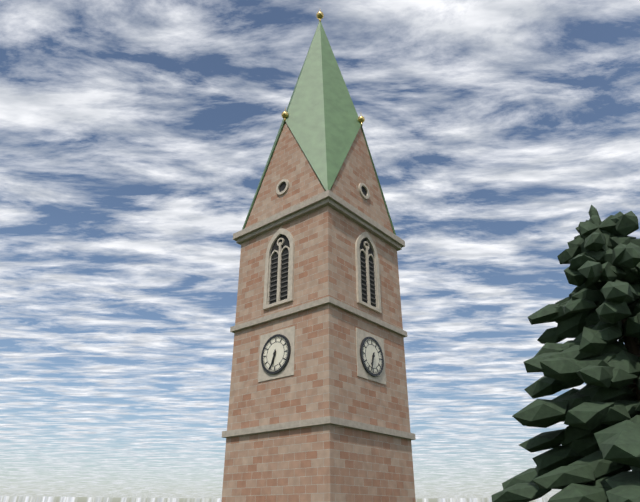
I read 6.33
